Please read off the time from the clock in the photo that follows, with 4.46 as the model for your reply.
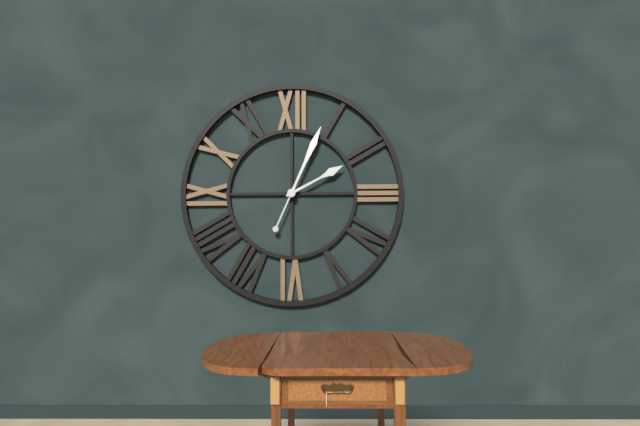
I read 2.04
